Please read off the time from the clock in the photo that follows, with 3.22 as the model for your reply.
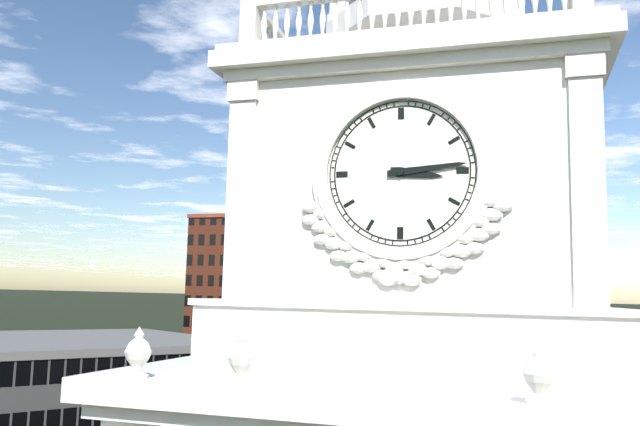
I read 3.14
